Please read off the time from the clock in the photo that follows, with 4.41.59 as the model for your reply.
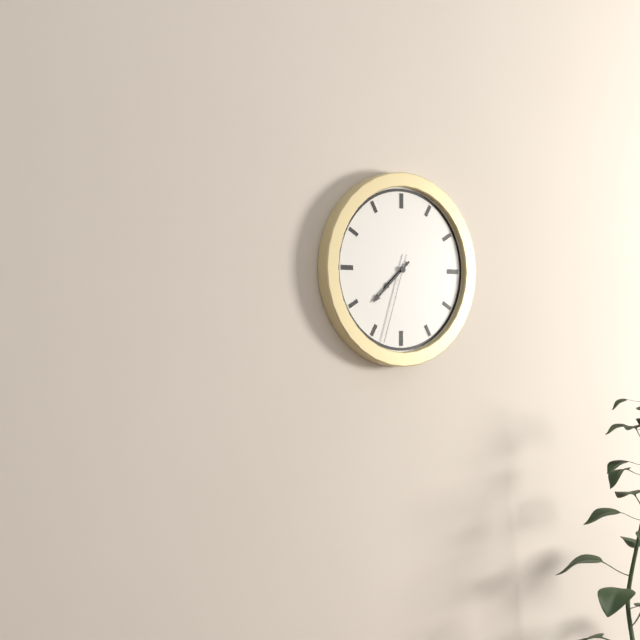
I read 7.38.33
